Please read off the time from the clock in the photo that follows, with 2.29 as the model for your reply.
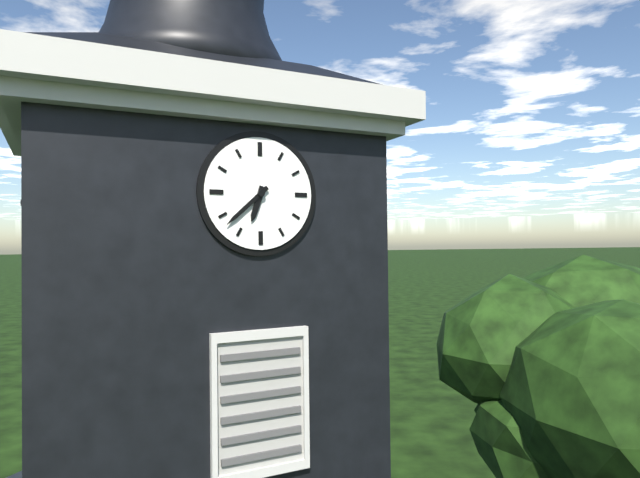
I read 6.38
